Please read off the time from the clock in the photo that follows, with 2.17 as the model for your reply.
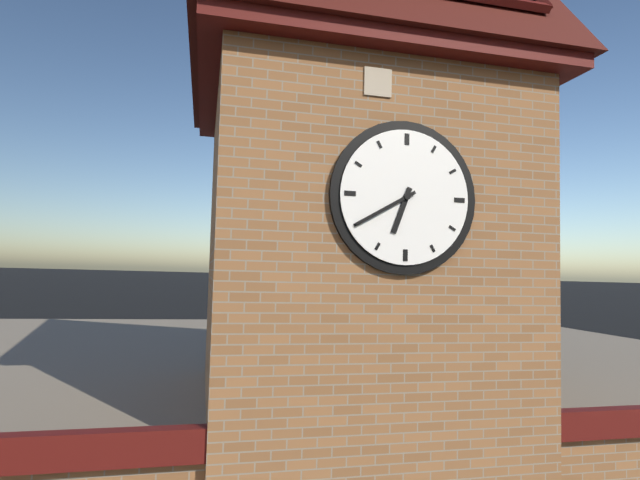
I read 6.40
